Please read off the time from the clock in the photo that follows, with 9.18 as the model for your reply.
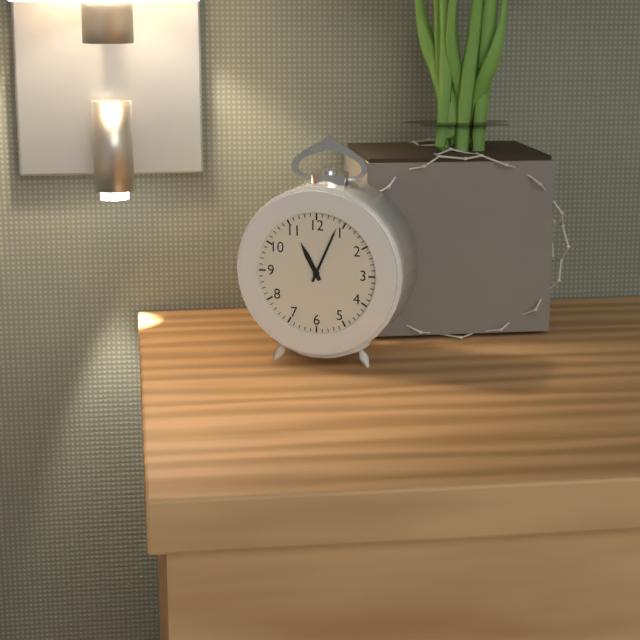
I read 11.04
